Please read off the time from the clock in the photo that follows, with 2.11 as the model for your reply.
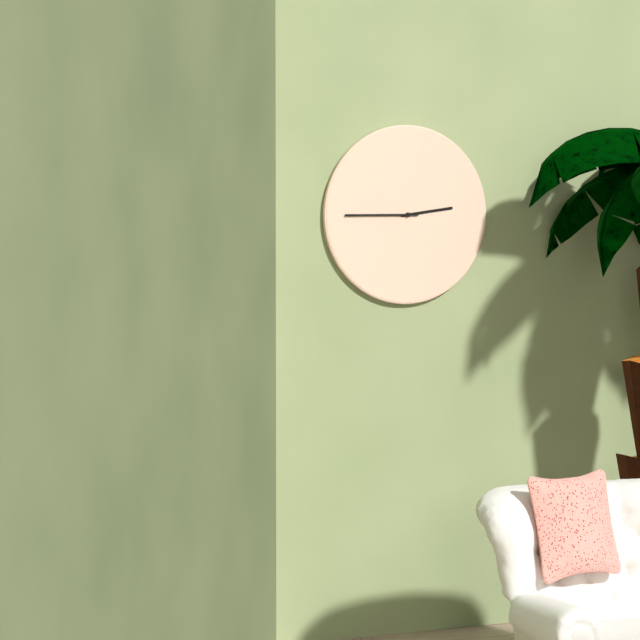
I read 2.45
